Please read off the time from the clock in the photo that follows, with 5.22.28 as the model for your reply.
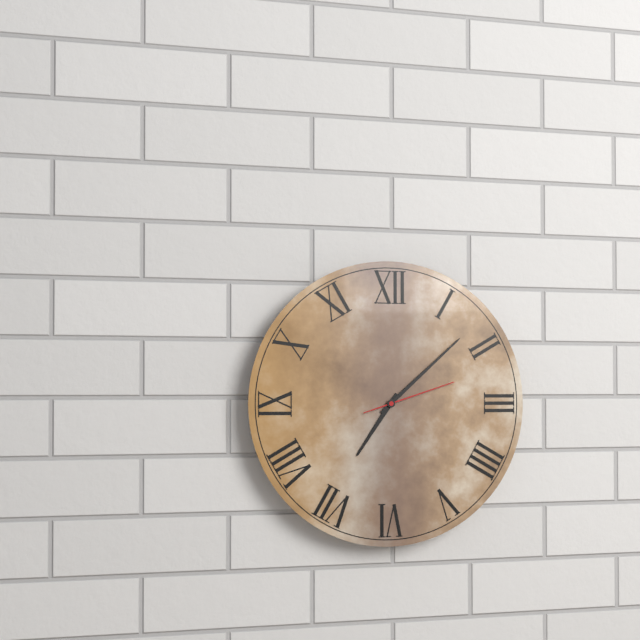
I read 7.08.12
